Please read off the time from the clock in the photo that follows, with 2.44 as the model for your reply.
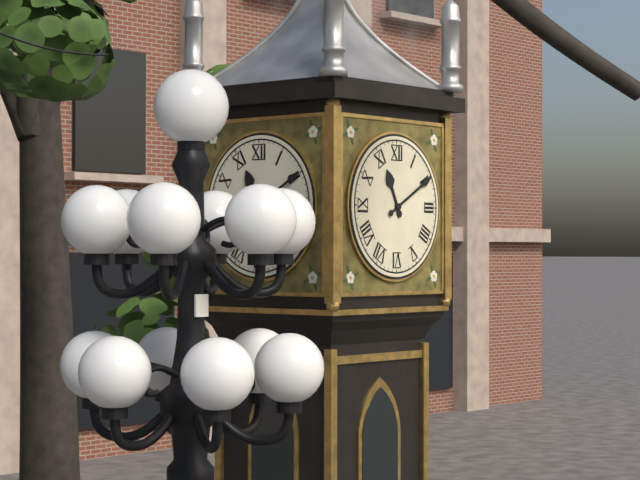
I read 11.10
